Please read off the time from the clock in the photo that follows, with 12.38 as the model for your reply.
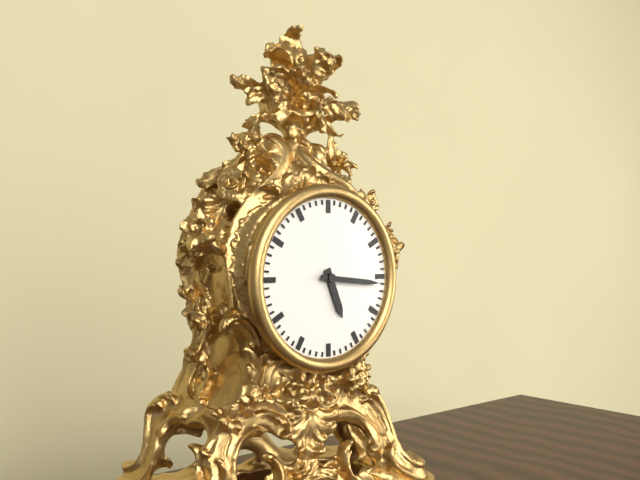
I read 5.16
